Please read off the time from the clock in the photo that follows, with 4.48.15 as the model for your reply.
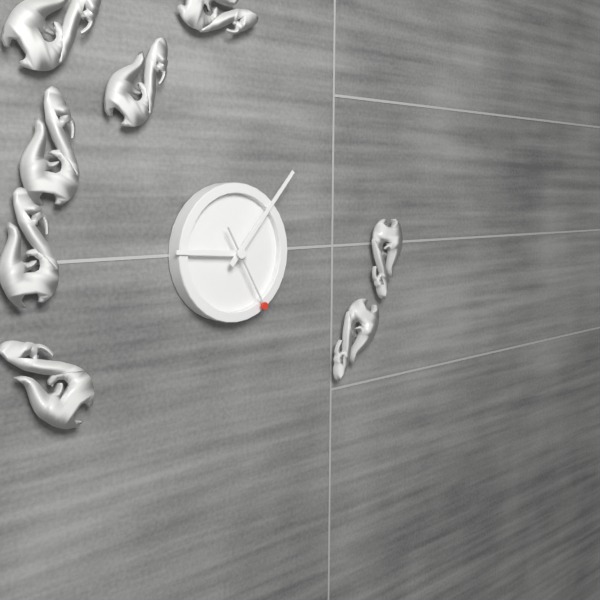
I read 9.07.25
